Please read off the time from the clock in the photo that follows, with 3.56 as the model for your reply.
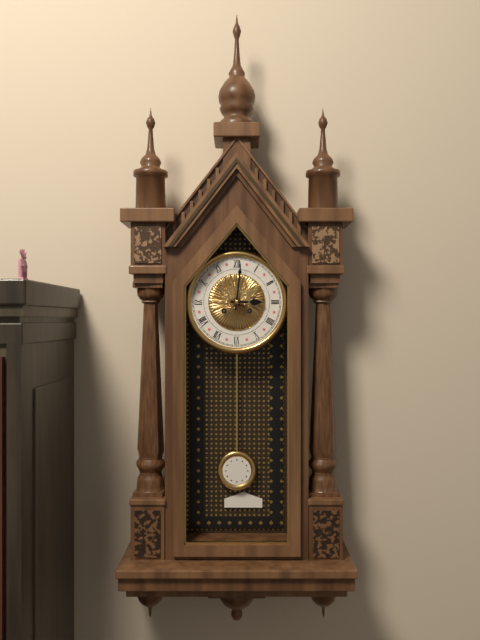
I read 3.01
